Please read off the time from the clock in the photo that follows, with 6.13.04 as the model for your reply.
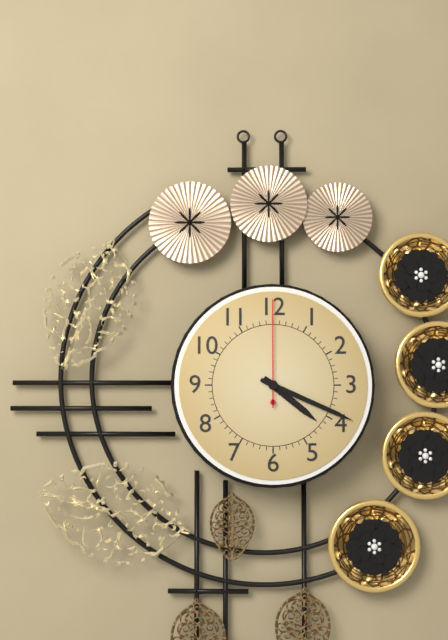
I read 4.19.00
